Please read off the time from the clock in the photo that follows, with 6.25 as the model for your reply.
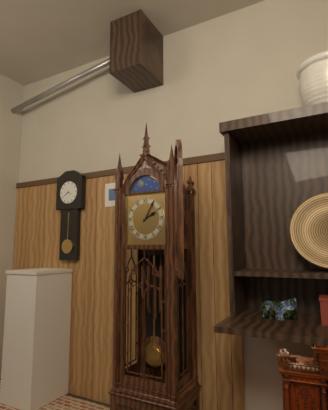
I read 2.05
